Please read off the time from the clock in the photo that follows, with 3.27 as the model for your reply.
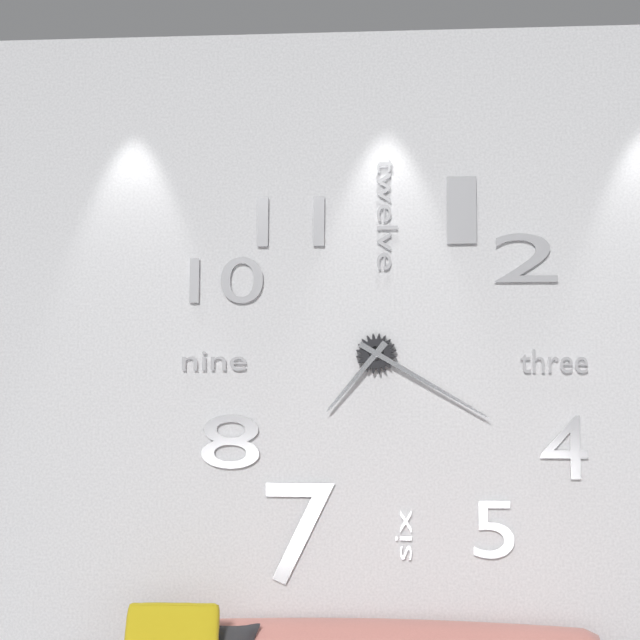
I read 7.20
